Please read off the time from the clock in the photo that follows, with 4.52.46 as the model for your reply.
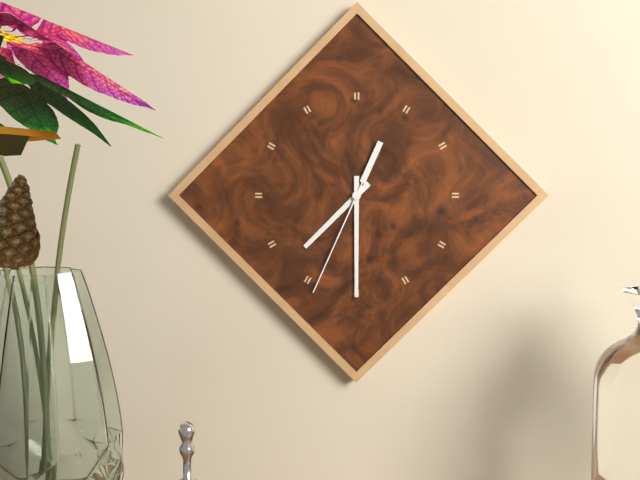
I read 7.30.34
